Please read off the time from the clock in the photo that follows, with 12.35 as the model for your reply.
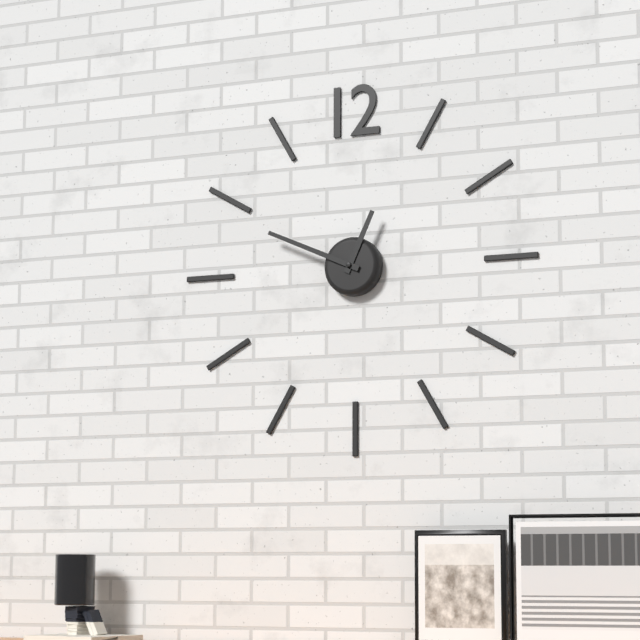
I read 12.49
